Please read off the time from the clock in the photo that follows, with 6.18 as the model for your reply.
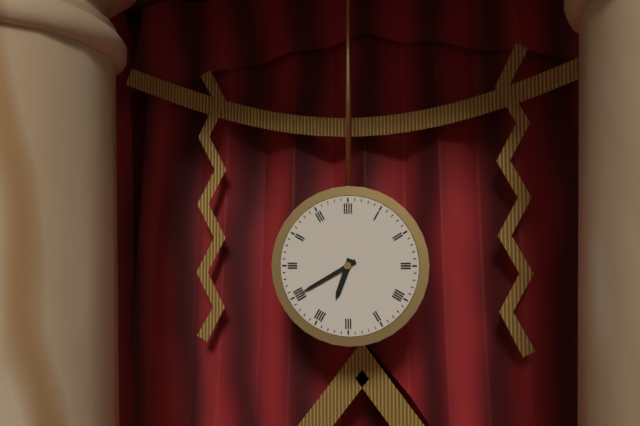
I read 6.40
